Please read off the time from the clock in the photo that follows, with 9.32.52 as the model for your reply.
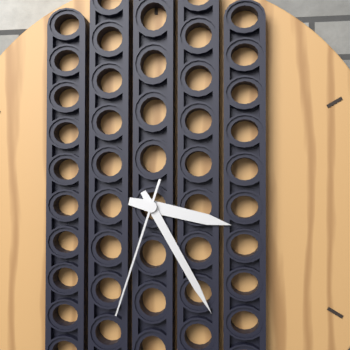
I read 3.25.33
